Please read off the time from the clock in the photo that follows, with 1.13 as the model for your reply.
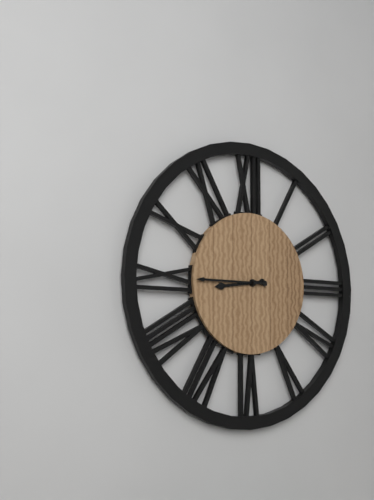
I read 8.45
